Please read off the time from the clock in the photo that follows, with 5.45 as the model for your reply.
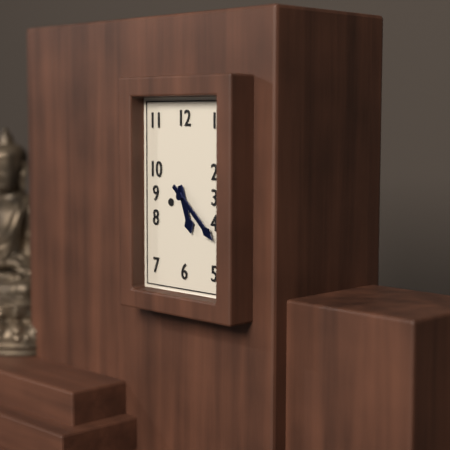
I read 5.22
